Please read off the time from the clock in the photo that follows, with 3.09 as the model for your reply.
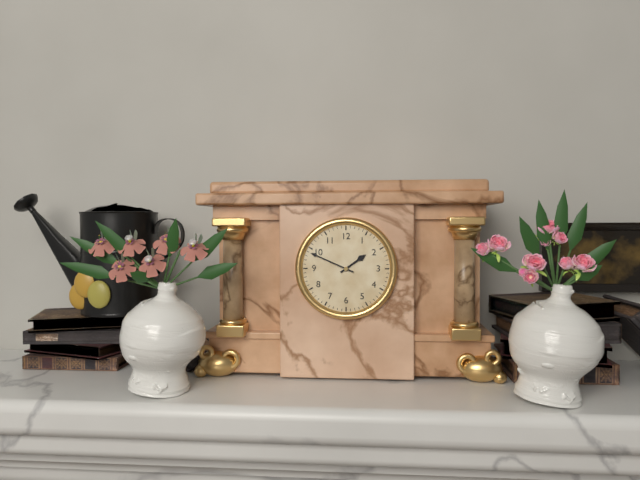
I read 1.49
